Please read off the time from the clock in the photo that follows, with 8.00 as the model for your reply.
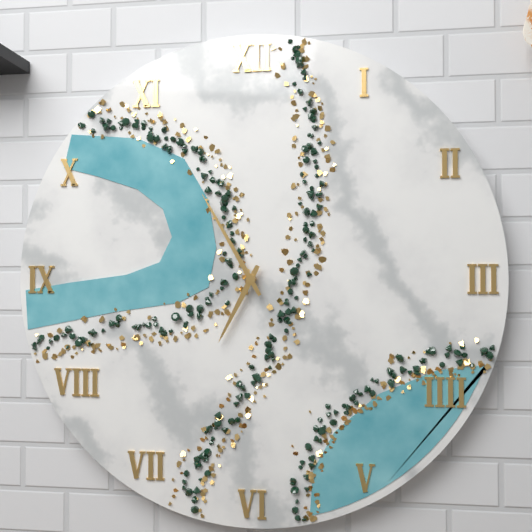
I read 6.55
